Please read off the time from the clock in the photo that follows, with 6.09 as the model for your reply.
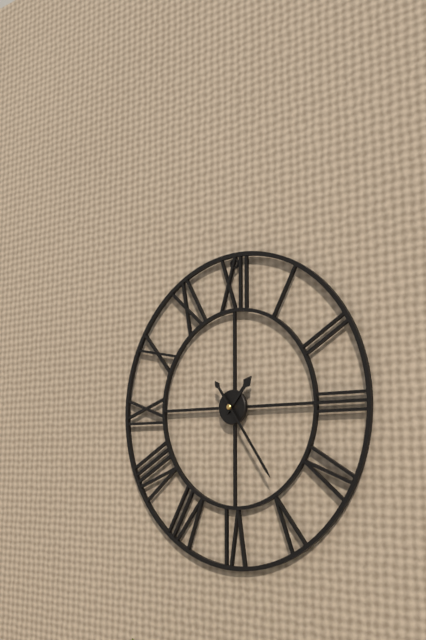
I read 1.24
